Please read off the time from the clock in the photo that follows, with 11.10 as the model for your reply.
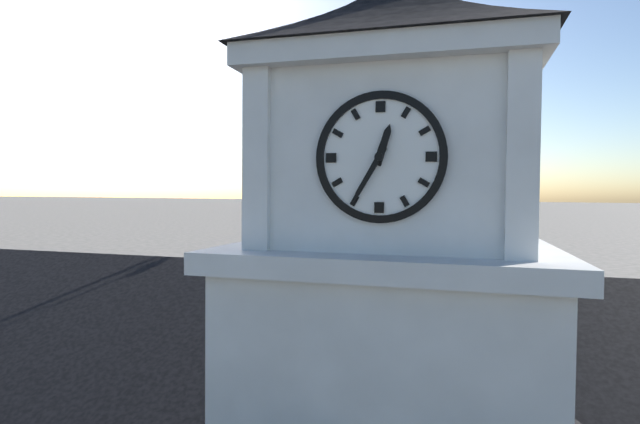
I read 12.35
